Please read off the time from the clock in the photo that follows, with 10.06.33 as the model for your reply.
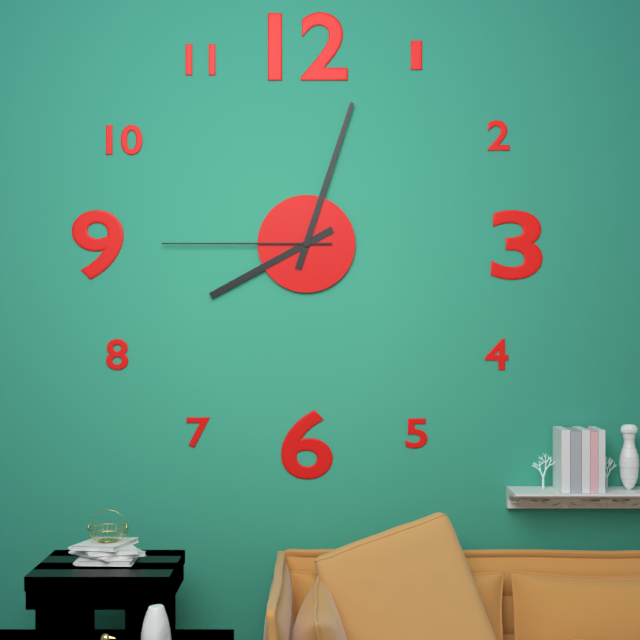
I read 8.03.45
